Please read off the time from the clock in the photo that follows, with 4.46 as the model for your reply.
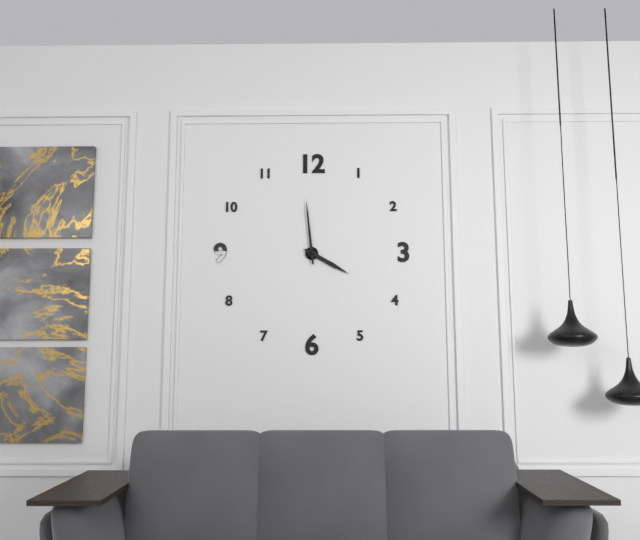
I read 3.59
